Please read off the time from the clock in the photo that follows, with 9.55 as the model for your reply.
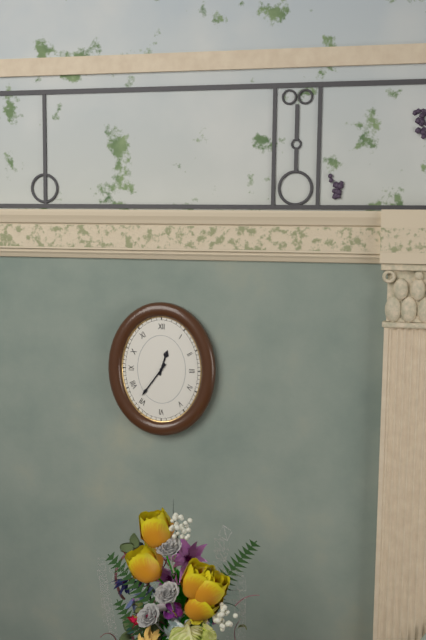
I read 12.36
